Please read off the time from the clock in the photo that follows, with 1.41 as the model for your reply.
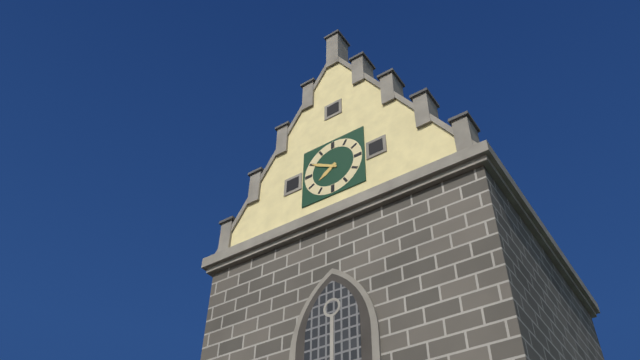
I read 7.50
